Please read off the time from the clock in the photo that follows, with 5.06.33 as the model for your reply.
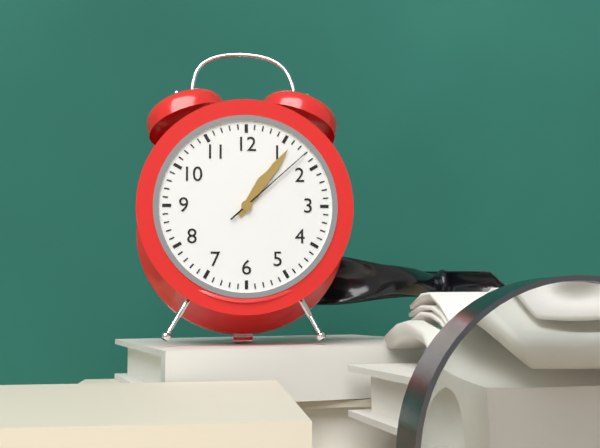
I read 1.06.08
